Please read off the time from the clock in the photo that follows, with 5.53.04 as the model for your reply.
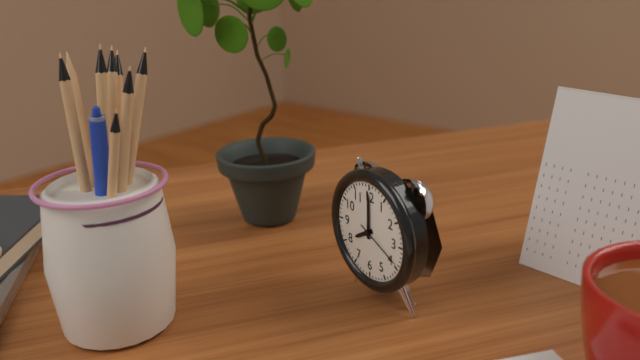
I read 8.00.19
